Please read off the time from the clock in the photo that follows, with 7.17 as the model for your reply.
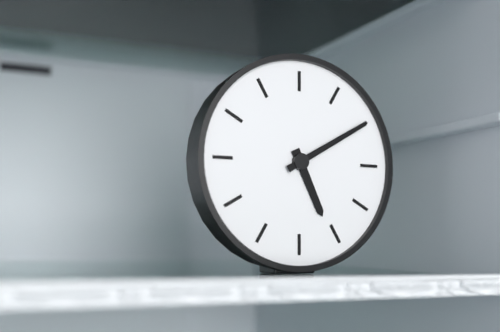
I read 5.10
